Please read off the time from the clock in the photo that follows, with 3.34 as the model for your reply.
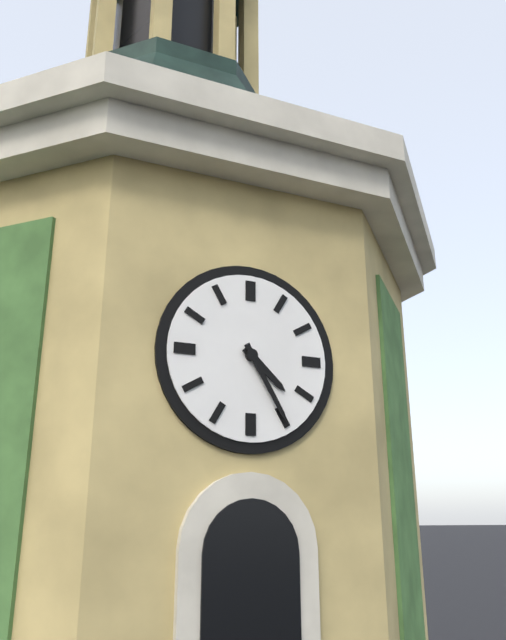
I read 4.25
